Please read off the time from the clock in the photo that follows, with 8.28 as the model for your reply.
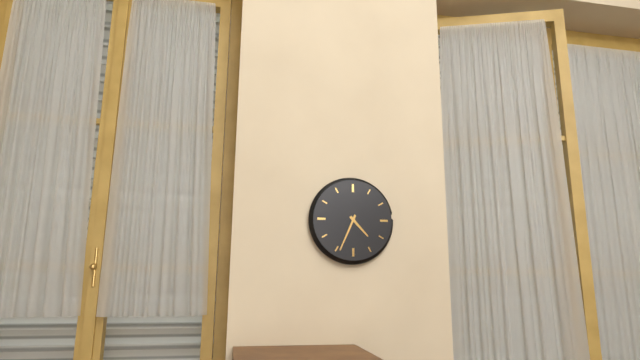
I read 4.34
